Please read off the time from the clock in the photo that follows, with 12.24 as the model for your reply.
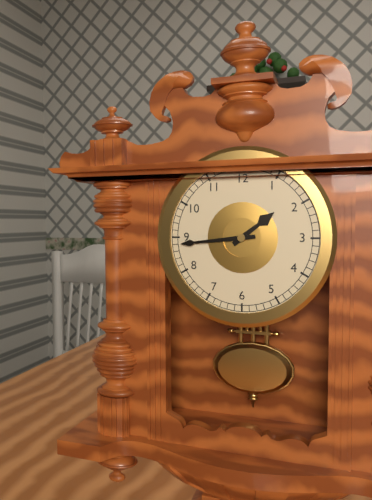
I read 1.44
